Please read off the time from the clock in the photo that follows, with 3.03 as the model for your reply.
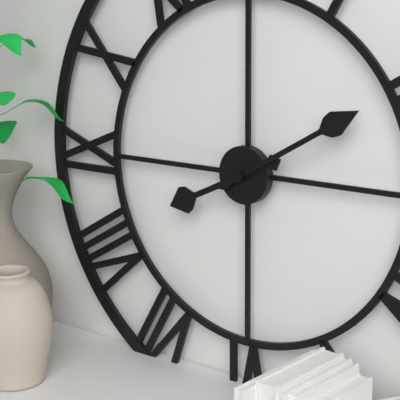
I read 8.10
